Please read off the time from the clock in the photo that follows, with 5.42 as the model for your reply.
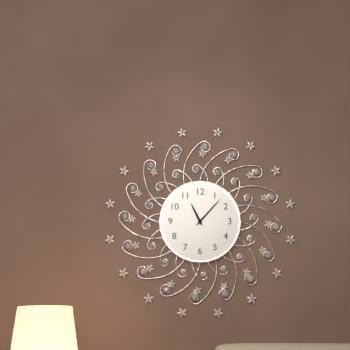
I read 11.07
